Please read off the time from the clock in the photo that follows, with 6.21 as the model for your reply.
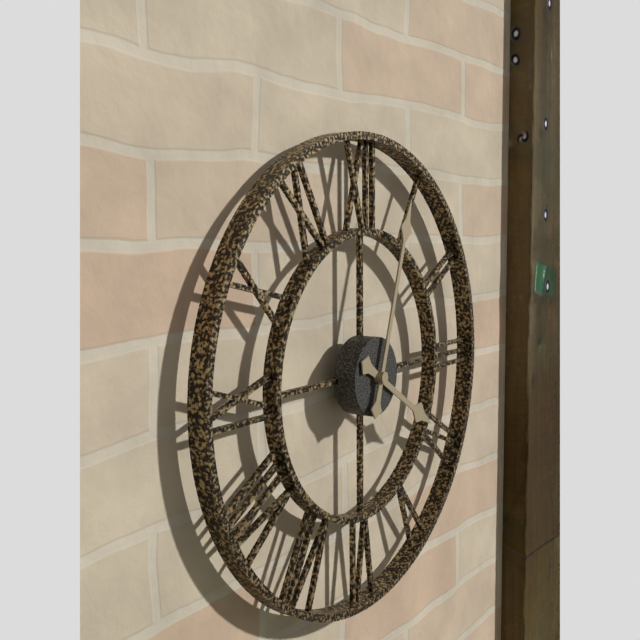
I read 4.03
